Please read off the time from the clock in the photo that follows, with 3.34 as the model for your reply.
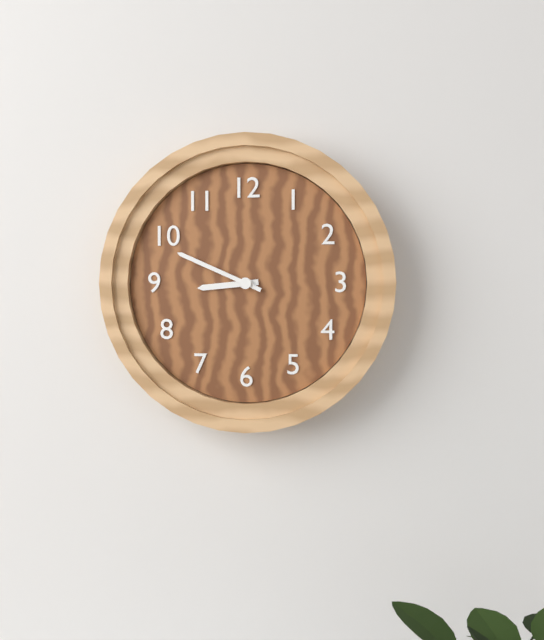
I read 8.49
